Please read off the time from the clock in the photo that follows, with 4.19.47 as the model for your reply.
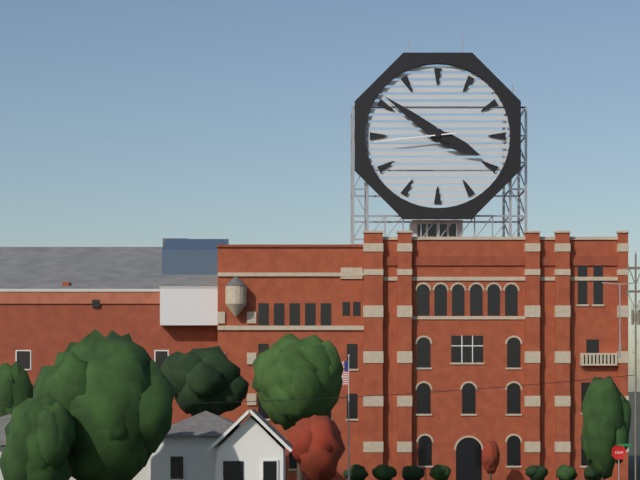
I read 3.51.44
